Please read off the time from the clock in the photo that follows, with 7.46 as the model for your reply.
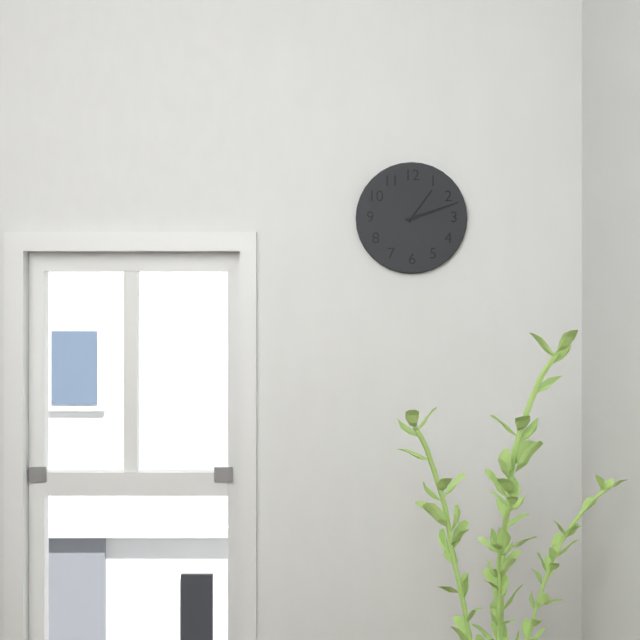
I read 1.12
